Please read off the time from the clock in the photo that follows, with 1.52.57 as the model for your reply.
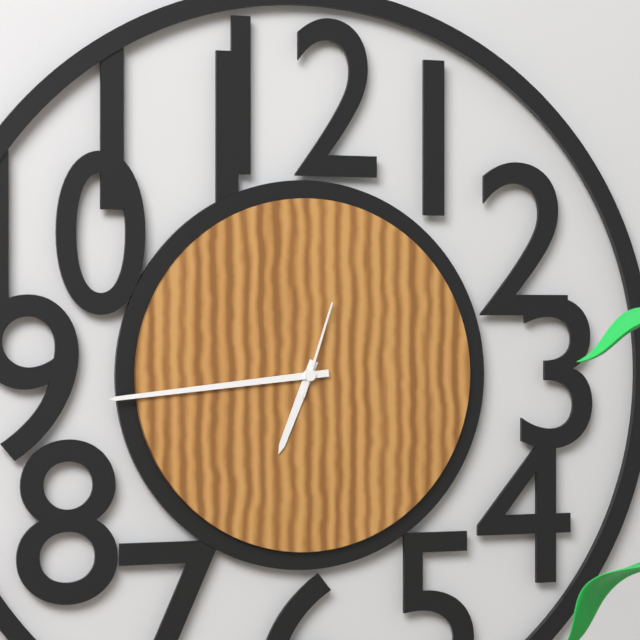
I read 6.44.03
